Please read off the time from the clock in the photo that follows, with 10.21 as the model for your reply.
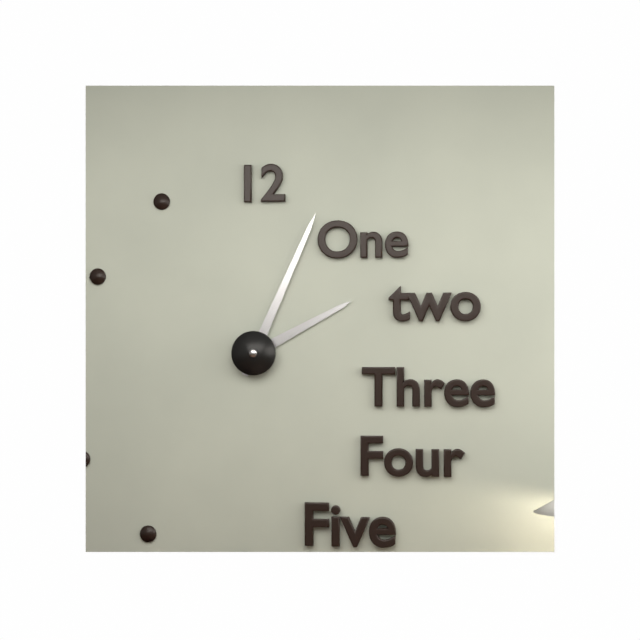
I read 2.04
